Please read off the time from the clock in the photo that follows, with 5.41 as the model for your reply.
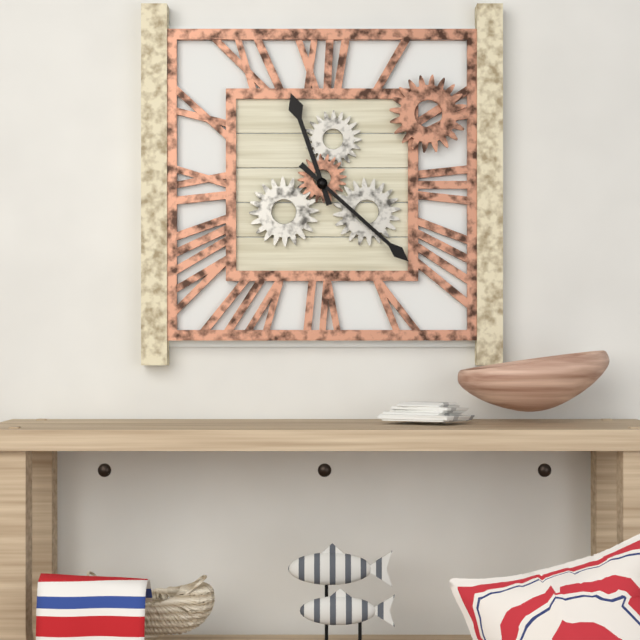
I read 11.22
